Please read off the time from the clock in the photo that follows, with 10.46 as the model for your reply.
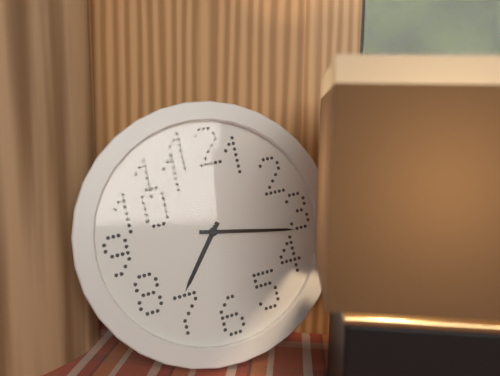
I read 7.17
